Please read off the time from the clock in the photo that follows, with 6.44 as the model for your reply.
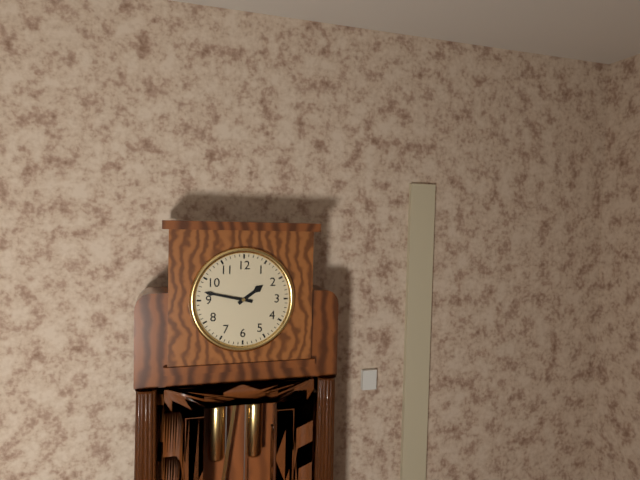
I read 1.47
